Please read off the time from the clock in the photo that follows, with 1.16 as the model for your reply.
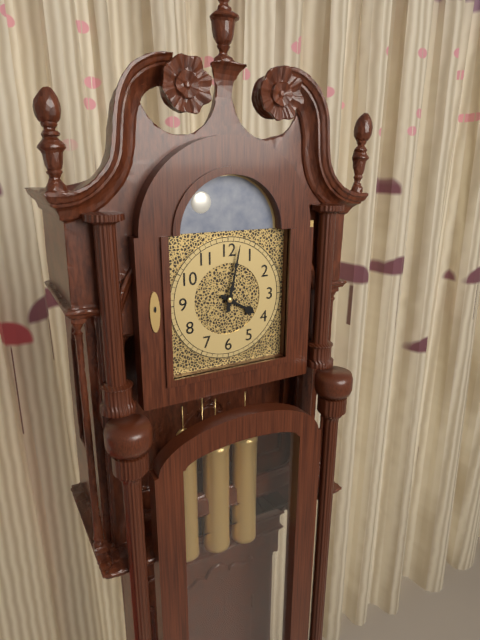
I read 4.02
